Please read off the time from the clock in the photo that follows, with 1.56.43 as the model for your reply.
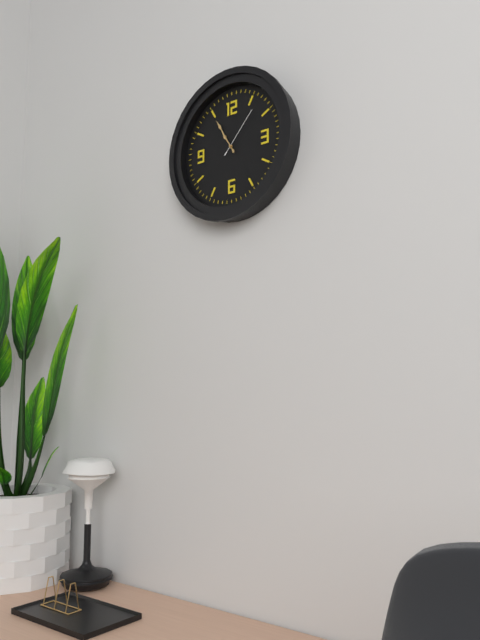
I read 10.55.07
